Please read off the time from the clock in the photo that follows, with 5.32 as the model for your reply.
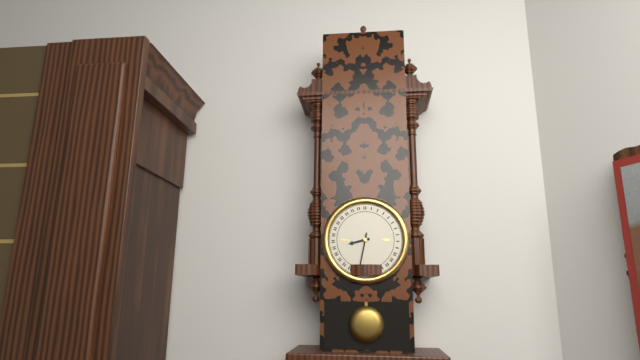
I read 8.32
